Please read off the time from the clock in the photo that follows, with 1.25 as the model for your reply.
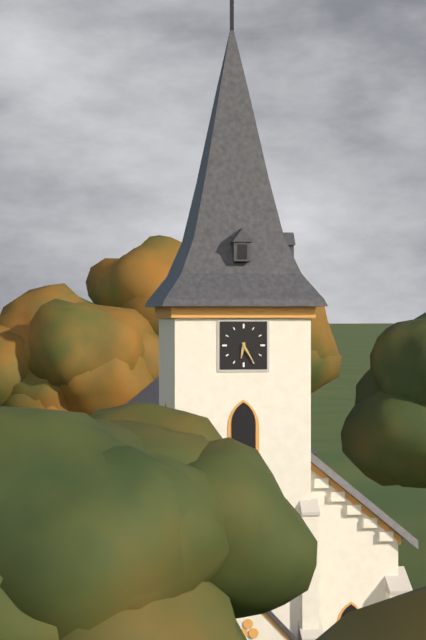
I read 6.25
